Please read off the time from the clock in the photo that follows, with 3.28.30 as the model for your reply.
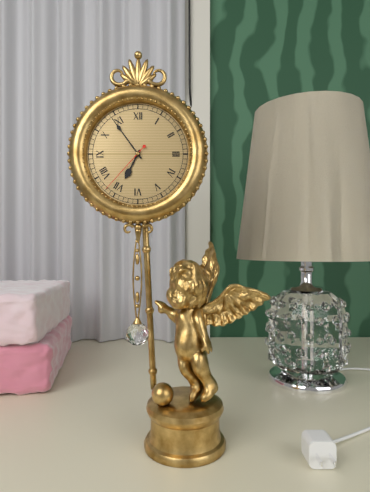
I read 6.54.37
